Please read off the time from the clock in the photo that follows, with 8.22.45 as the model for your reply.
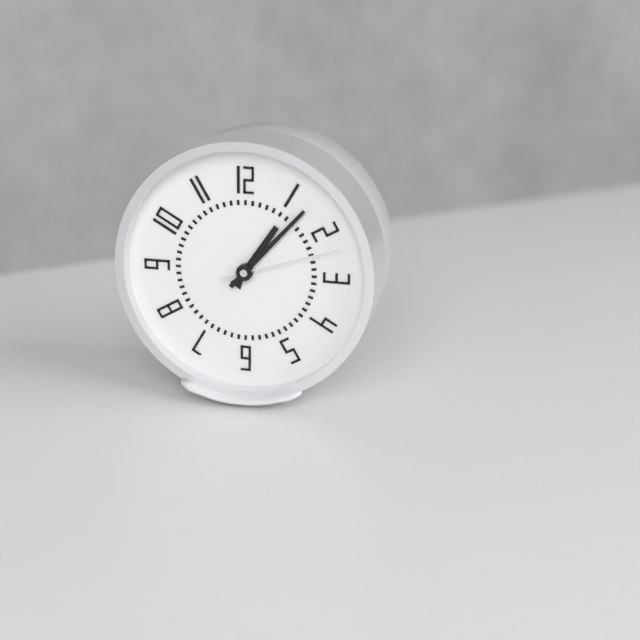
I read 1.07.12
